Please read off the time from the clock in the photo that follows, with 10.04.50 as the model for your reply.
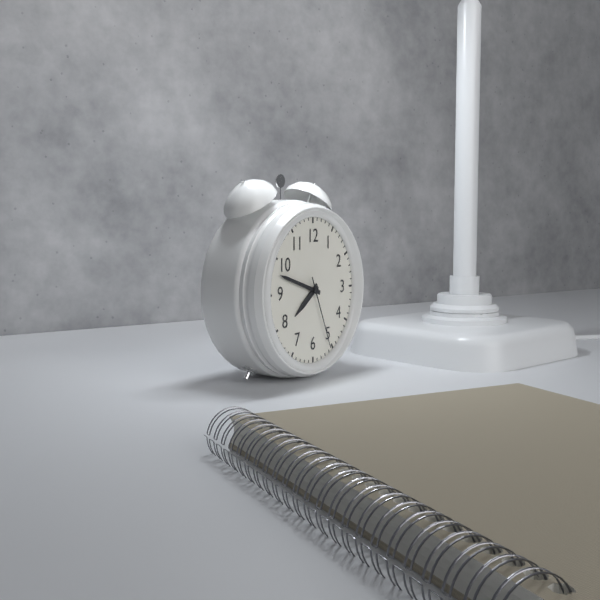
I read 7.48.26
